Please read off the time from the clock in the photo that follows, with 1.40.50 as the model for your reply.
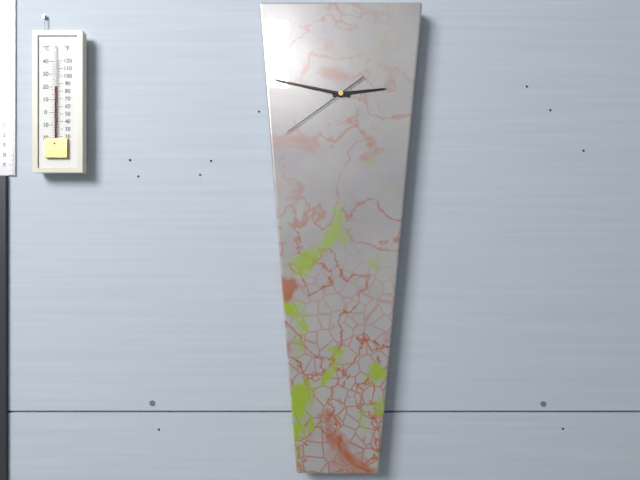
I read 2.47.39
